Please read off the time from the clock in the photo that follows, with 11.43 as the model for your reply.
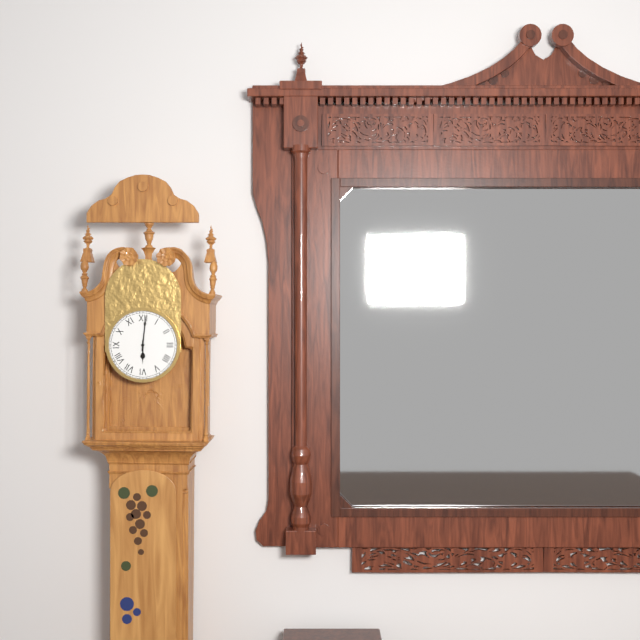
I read 6.01
